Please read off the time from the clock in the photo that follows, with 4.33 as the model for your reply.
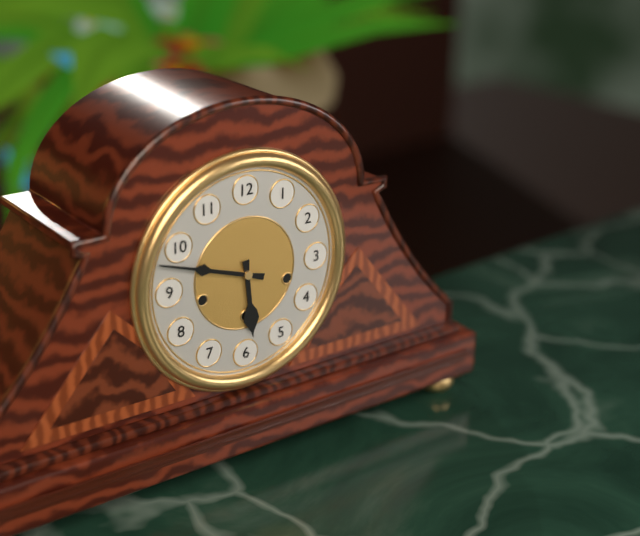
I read 5.48
